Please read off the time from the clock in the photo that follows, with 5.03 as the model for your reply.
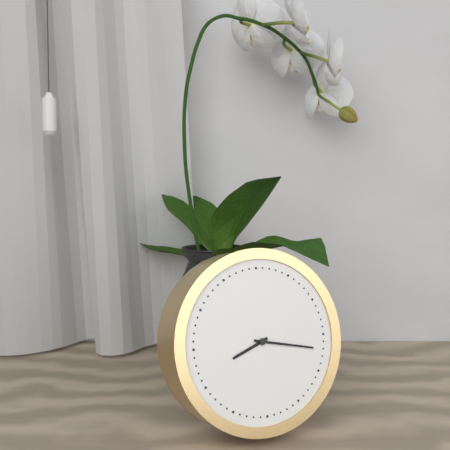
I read 8.17
